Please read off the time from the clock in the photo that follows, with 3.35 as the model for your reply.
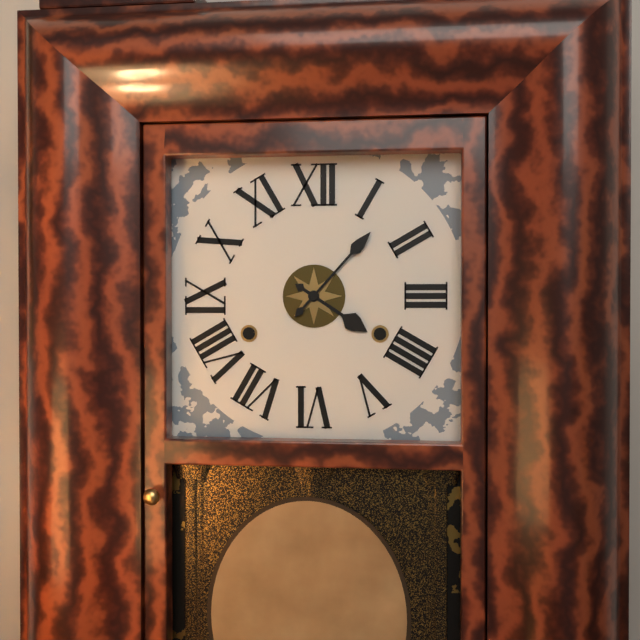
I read 4.07
